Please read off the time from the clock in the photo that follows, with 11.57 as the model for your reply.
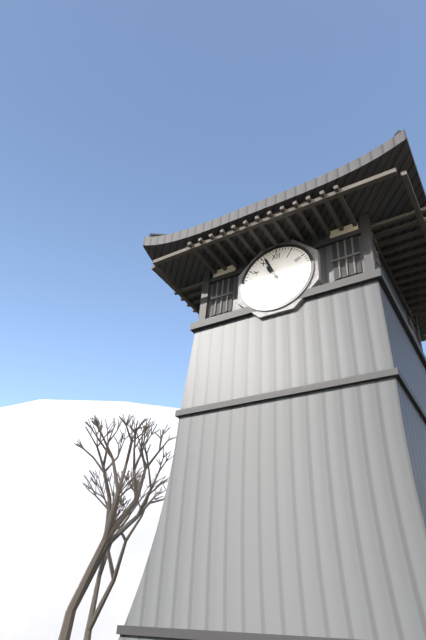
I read 10.56
